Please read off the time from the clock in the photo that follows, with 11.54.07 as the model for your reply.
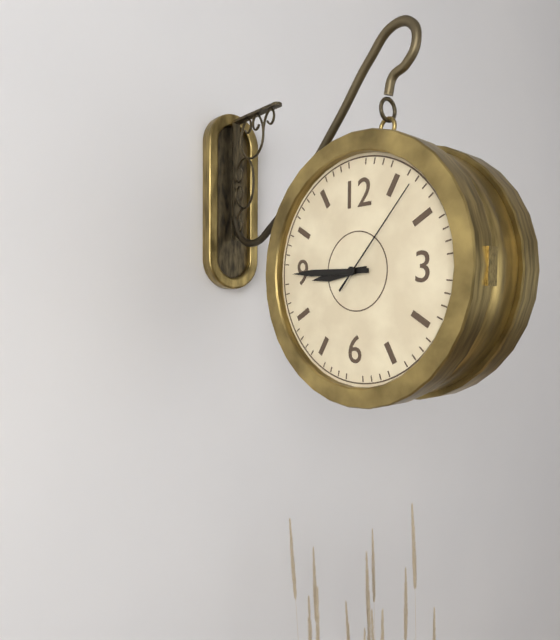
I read 8.45.07
